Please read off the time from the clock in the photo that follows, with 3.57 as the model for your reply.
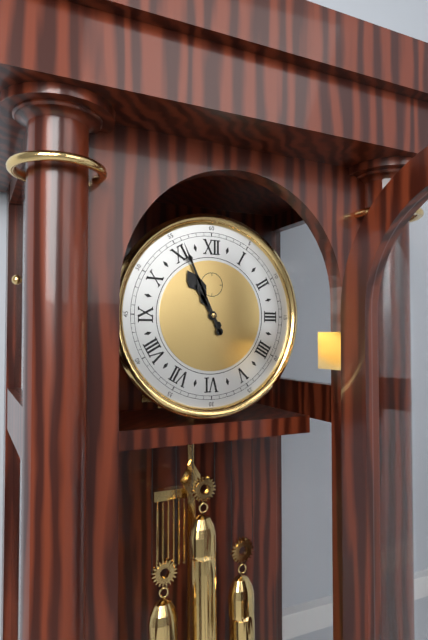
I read 10.56
